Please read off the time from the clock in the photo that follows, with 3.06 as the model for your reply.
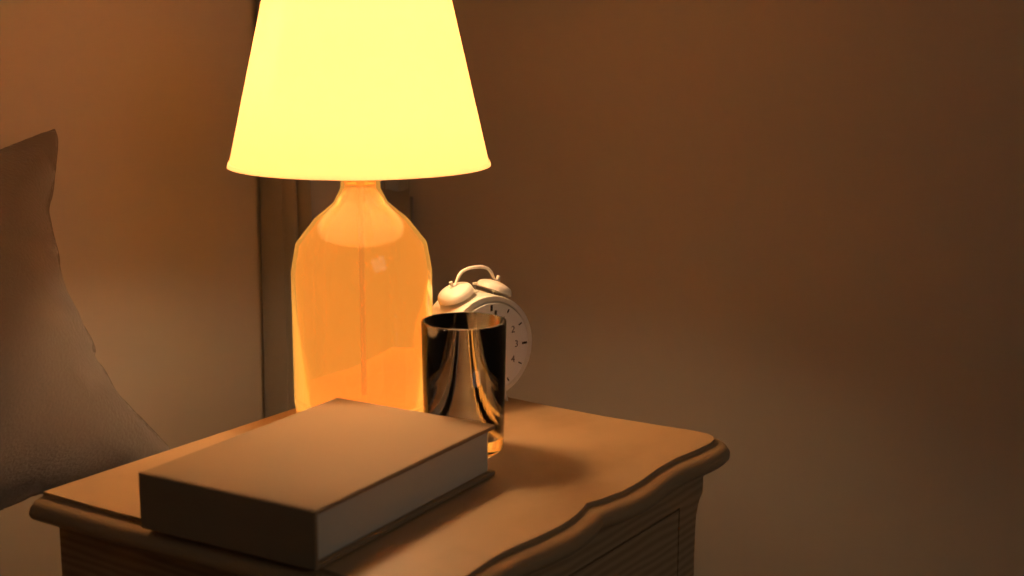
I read 7.01
